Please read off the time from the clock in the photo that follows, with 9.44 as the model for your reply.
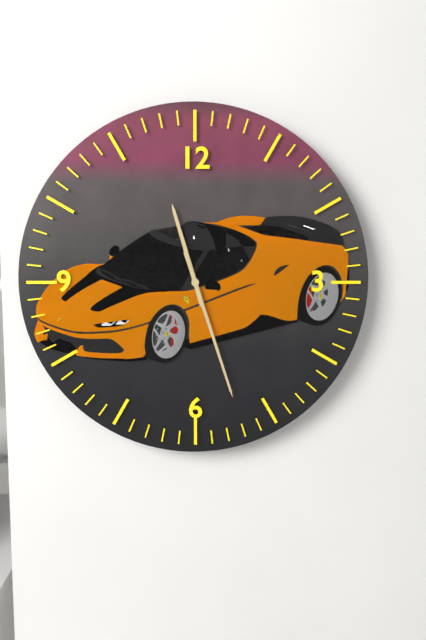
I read 11.27
